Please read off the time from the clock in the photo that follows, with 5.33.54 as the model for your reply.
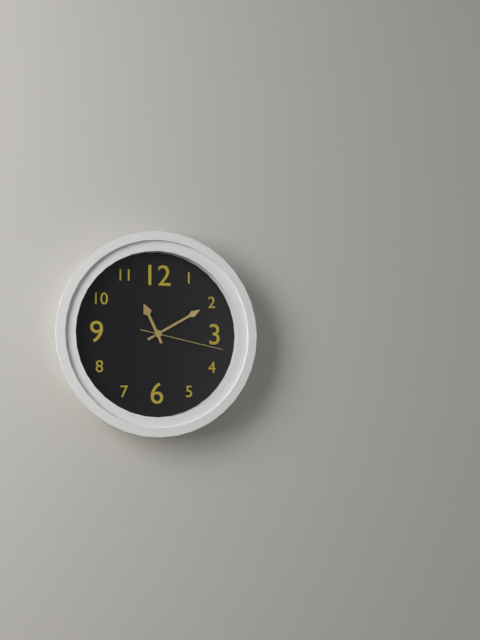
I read 11.10.17
